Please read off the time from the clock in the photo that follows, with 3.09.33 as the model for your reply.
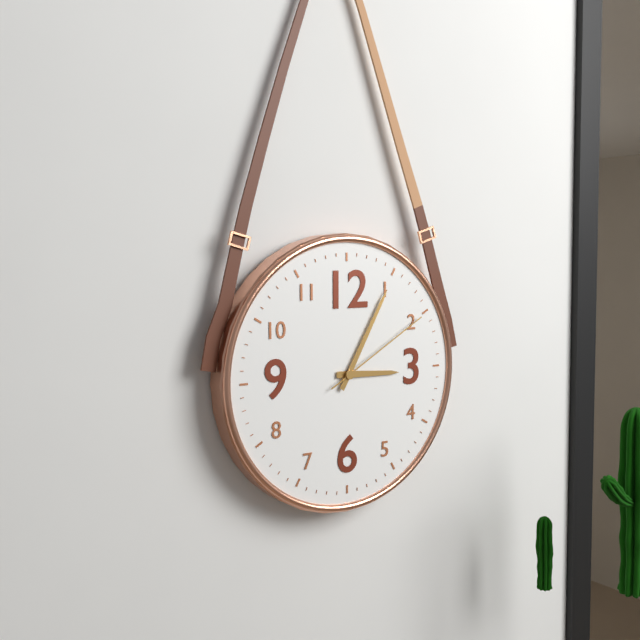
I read 3.05.10
